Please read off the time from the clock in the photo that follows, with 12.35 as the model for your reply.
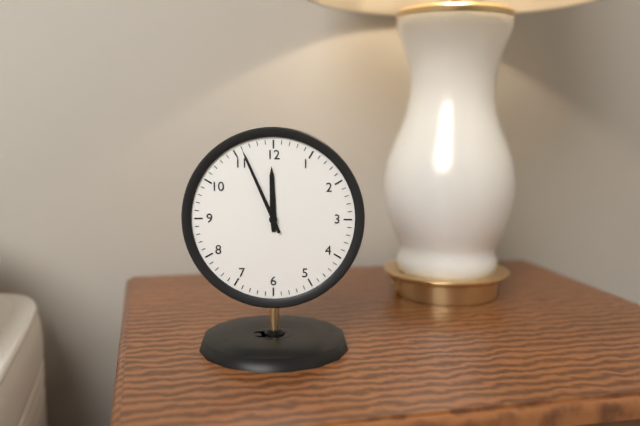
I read 11.56
